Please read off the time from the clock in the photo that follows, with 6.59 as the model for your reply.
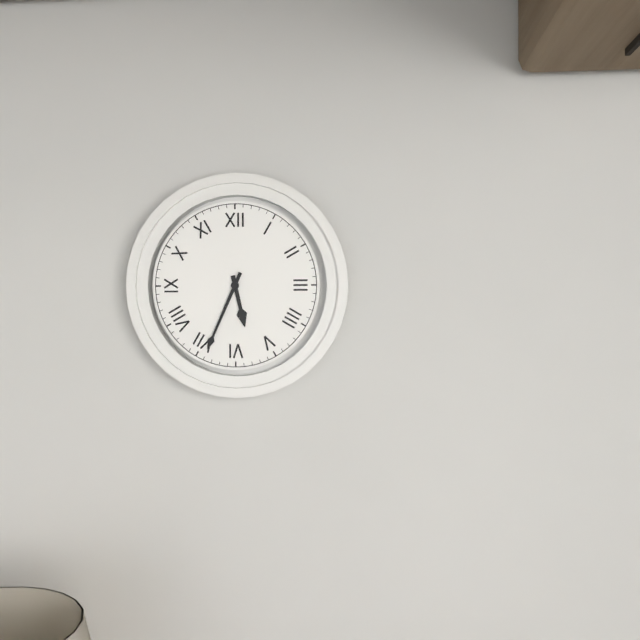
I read 5.34
